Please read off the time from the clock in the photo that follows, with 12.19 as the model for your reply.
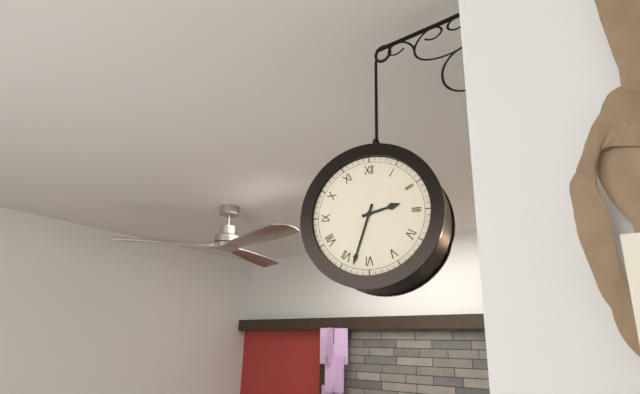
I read 2.33
